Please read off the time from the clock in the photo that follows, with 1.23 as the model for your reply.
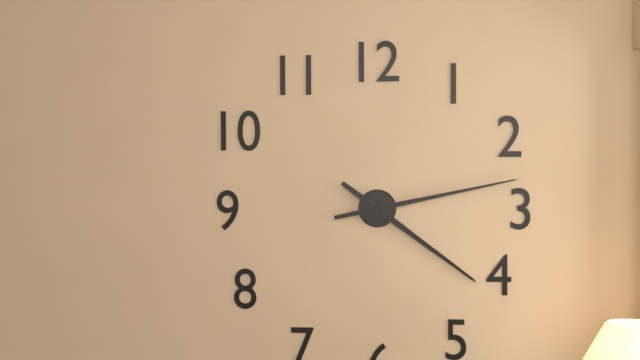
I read 4.13
